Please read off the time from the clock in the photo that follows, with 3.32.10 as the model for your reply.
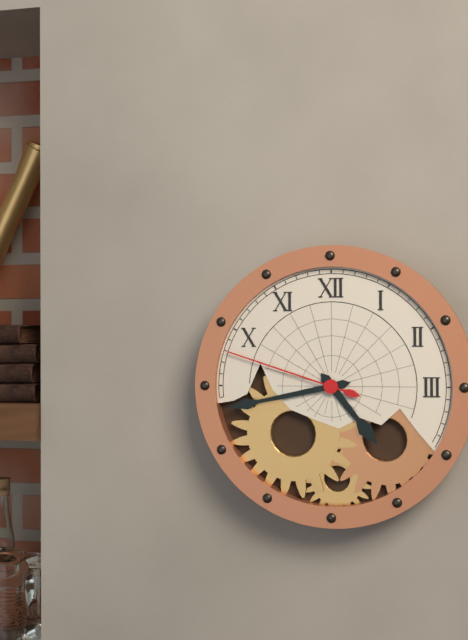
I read 4.43.48
